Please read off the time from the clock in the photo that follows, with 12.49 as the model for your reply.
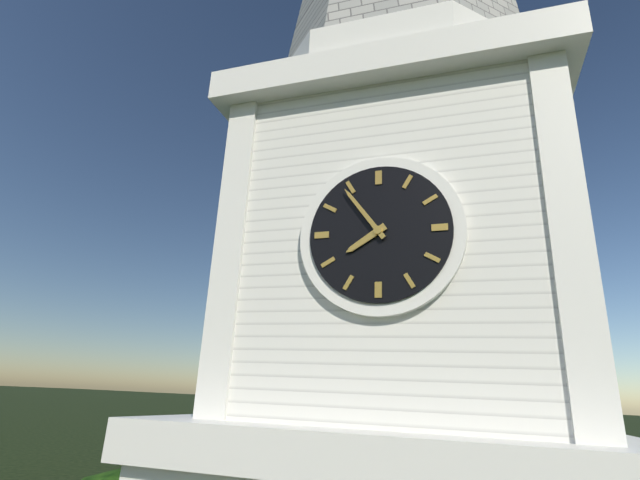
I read 7.54
